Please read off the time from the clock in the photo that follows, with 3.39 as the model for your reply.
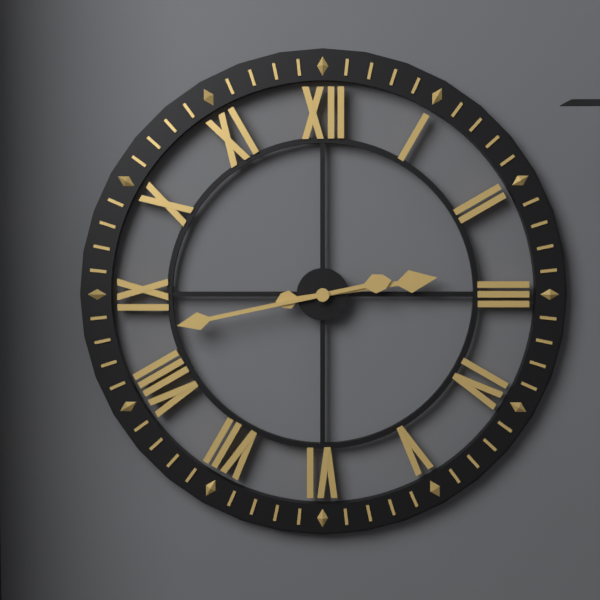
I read 2.43
